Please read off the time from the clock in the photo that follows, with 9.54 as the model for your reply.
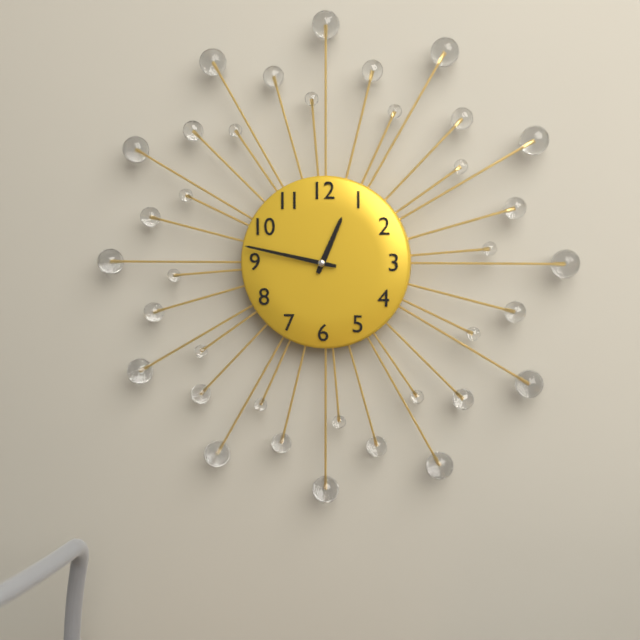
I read 12.47
